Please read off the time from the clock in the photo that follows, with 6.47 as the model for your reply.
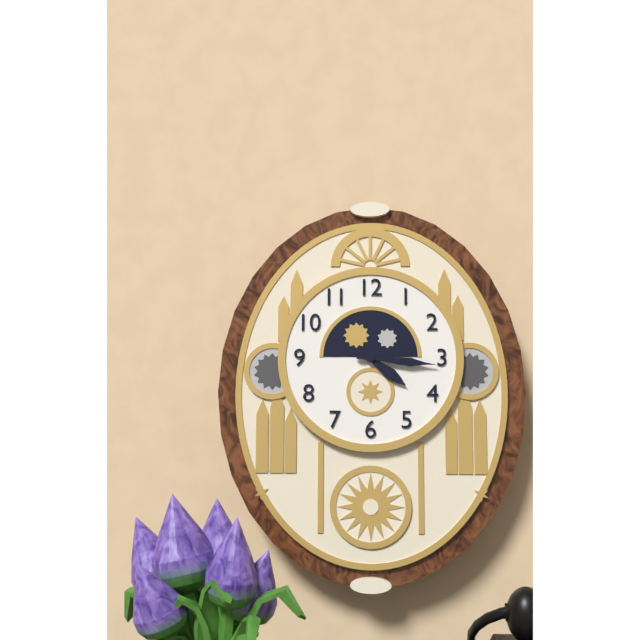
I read 4.16
